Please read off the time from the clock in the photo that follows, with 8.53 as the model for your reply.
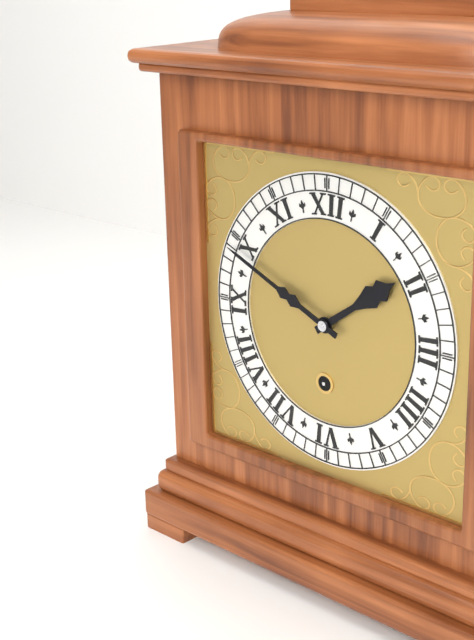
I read 1.49
